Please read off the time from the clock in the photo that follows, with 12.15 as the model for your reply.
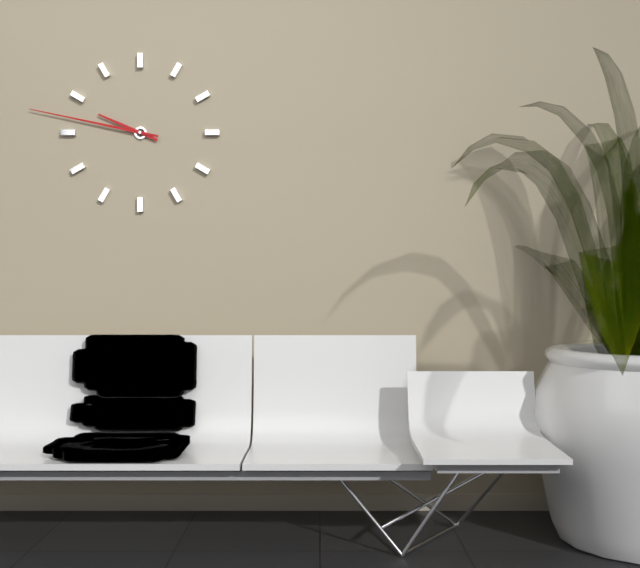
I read 9.47
